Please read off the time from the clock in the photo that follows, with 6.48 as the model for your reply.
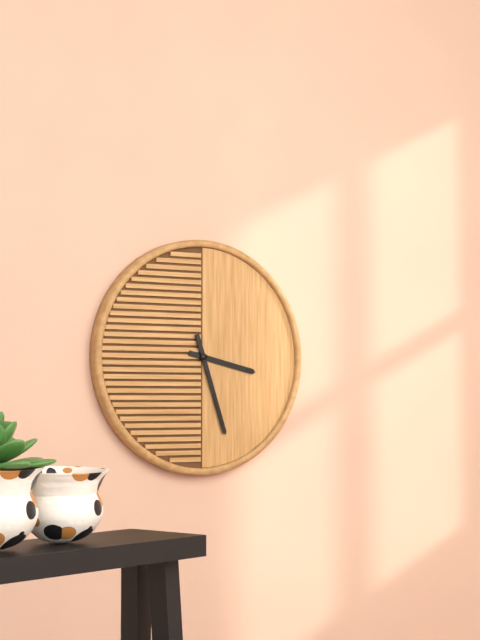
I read 3.27
